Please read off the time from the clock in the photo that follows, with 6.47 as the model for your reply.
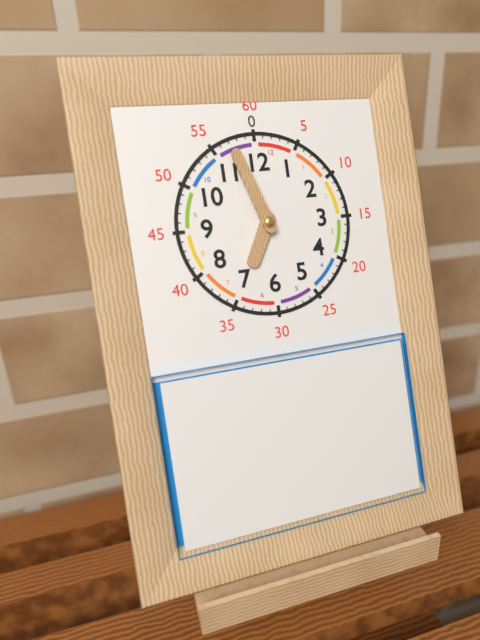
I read 6.57
